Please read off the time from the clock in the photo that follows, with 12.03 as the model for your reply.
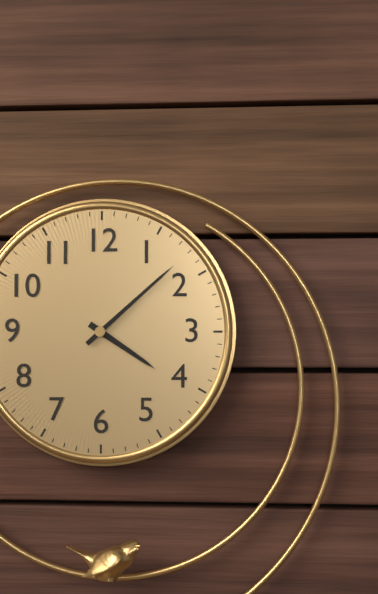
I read 4.08
